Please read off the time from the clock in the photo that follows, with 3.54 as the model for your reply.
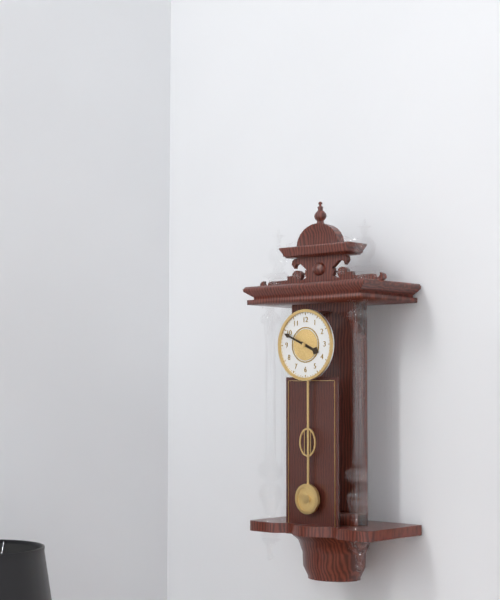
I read 3.49
